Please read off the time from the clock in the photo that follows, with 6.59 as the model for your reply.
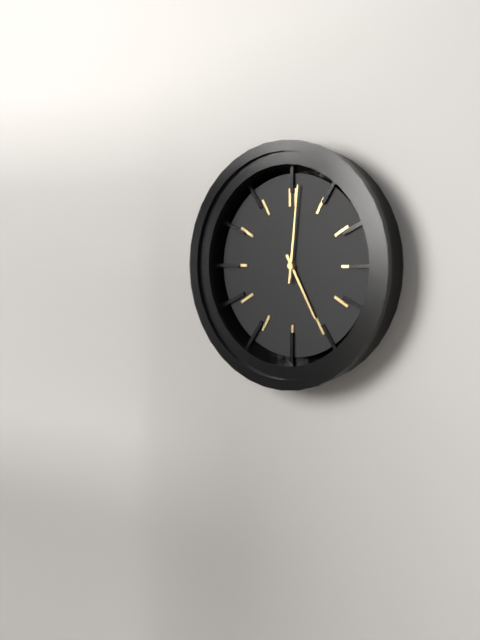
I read 5.01
